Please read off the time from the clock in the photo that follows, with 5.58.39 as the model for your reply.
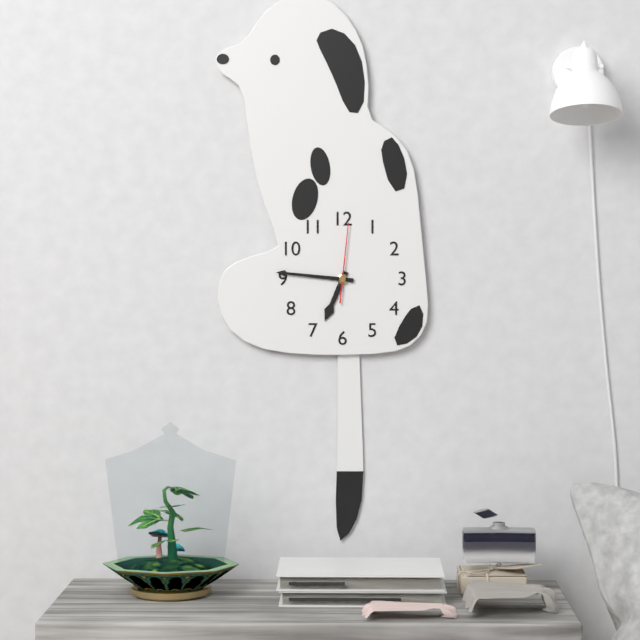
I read 6.46.01
